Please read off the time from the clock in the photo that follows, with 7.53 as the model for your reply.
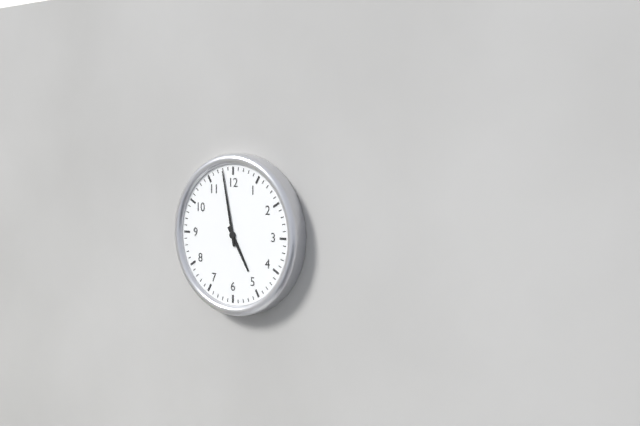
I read 4.58
